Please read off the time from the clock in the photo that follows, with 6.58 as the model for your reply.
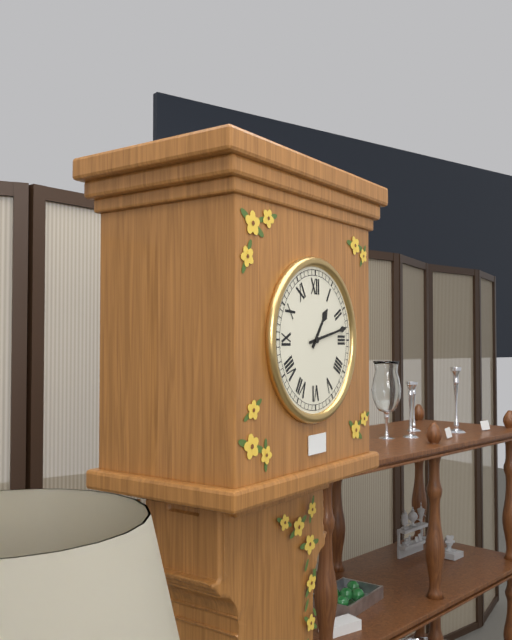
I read 1.13
